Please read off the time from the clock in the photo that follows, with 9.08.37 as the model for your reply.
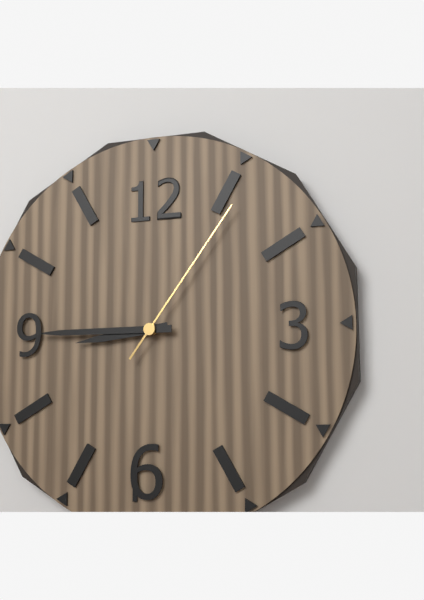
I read 8.45.06
